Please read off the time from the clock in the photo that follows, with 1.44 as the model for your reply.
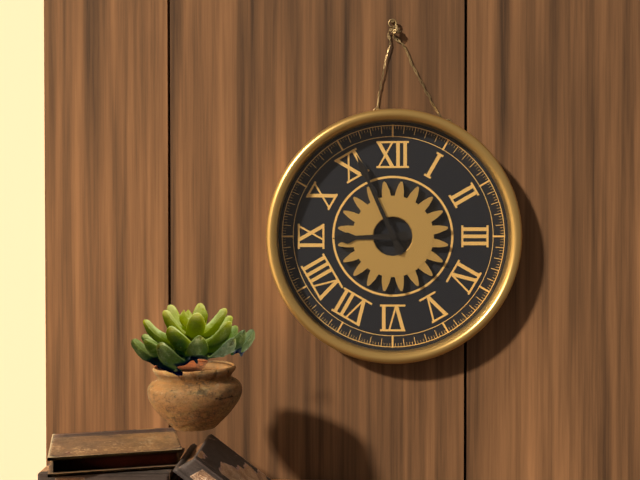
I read 8.56
